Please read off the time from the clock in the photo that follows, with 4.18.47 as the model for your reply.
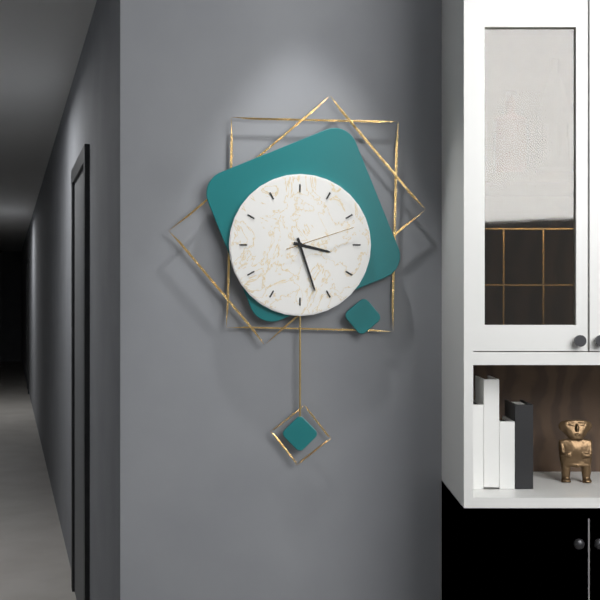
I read 3.27.12
